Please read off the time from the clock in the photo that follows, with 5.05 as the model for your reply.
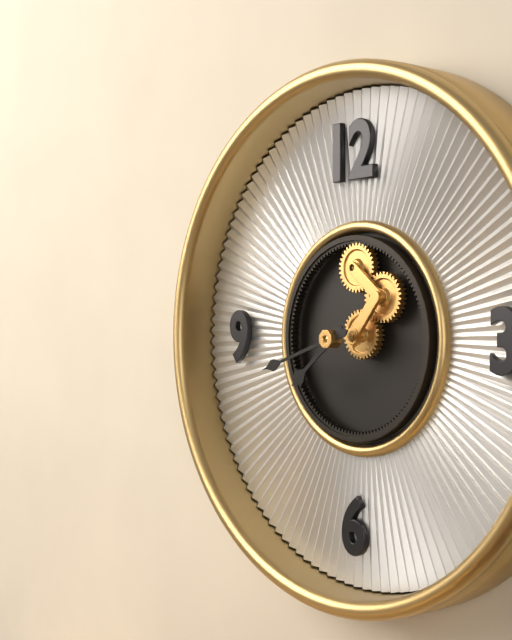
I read 7.42
